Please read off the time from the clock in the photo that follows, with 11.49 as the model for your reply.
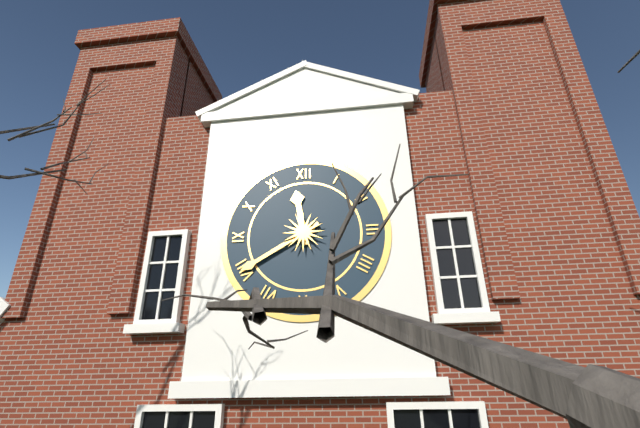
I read 11.40
